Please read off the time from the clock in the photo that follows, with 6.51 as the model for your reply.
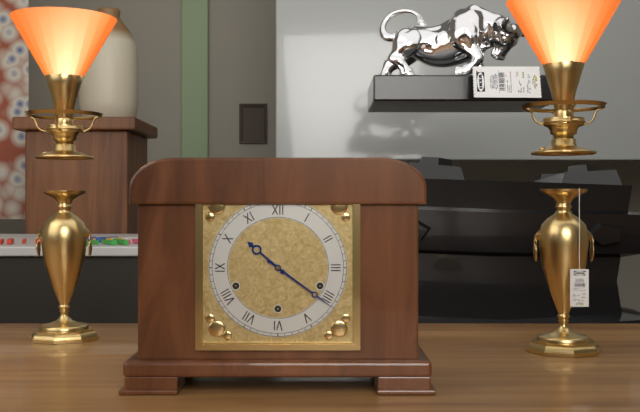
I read 10.21
